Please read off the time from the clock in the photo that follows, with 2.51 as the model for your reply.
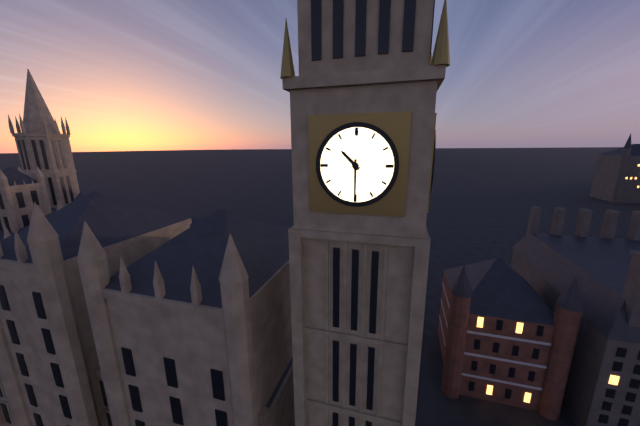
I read 10.30
